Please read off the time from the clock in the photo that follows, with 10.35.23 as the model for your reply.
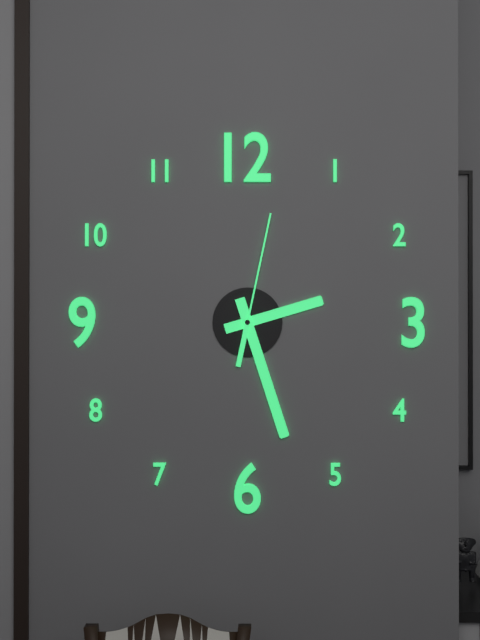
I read 2.27.02
